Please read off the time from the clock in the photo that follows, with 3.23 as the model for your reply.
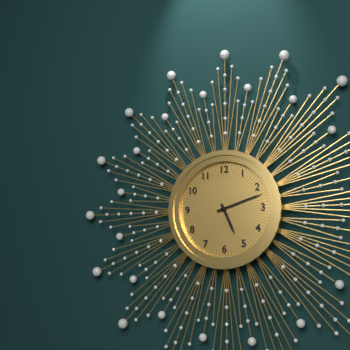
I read 5.12
